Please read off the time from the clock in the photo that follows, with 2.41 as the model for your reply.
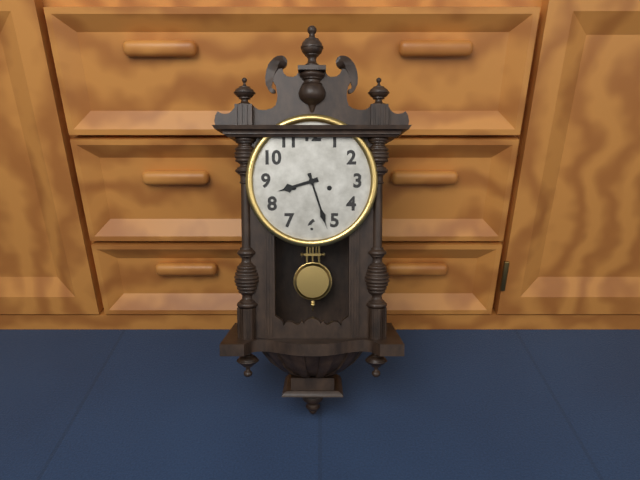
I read 8.27
